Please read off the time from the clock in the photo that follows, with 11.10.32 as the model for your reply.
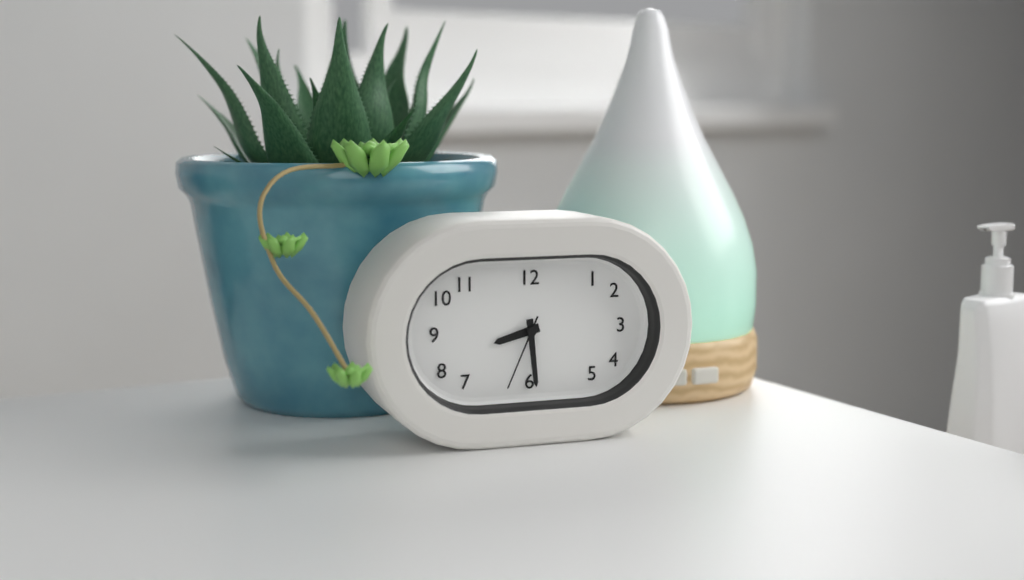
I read 8.29.34
